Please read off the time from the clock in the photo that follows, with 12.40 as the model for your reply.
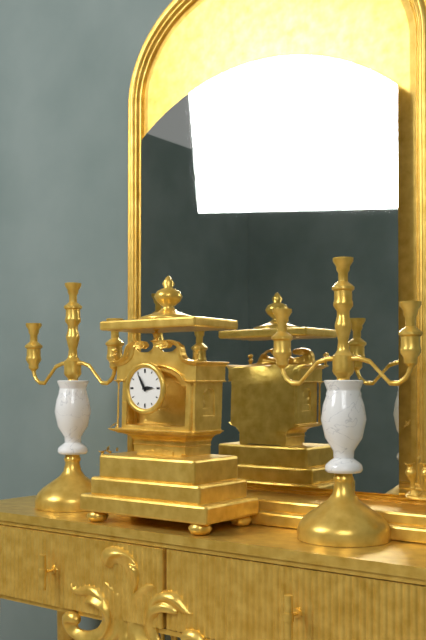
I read 2.55
